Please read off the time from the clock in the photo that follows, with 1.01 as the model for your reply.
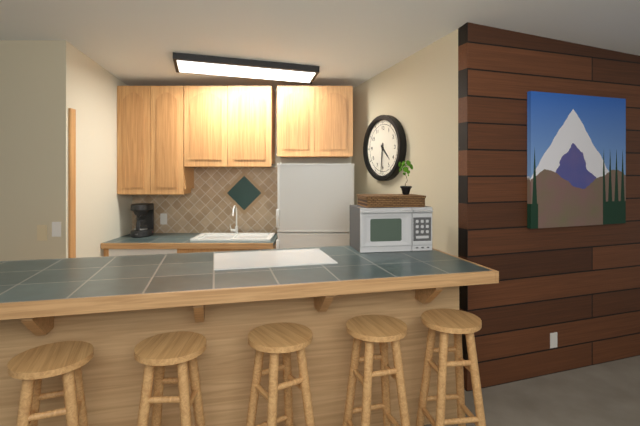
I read 4.31
